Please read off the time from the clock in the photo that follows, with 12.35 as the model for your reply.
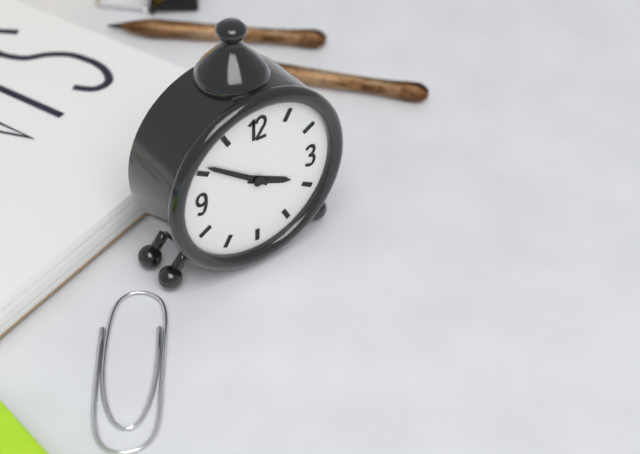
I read 3.51
